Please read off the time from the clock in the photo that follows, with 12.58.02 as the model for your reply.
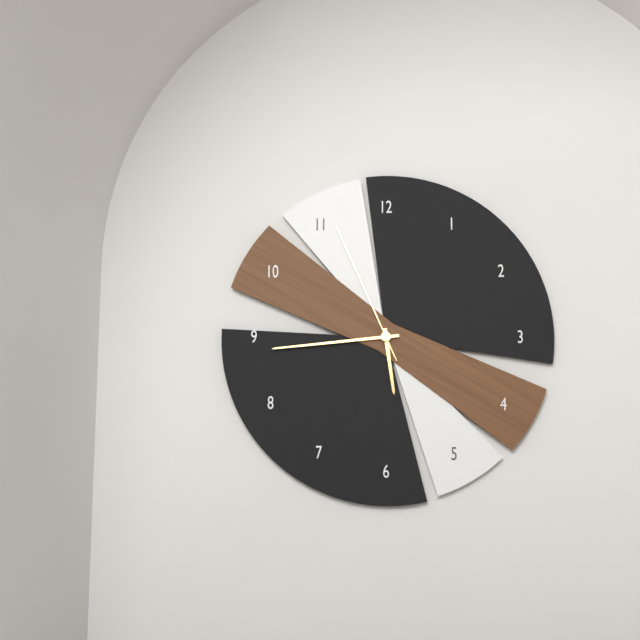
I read 5.44.56
